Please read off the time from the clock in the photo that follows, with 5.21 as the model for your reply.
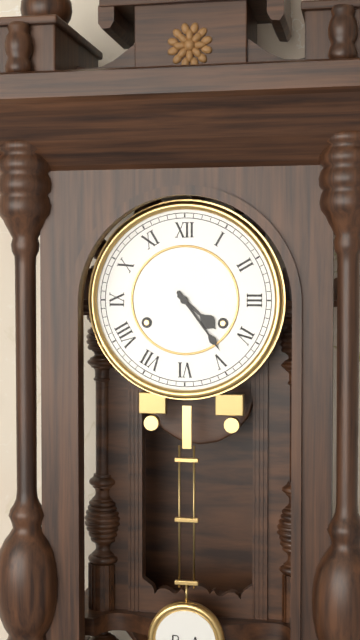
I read 4.24
